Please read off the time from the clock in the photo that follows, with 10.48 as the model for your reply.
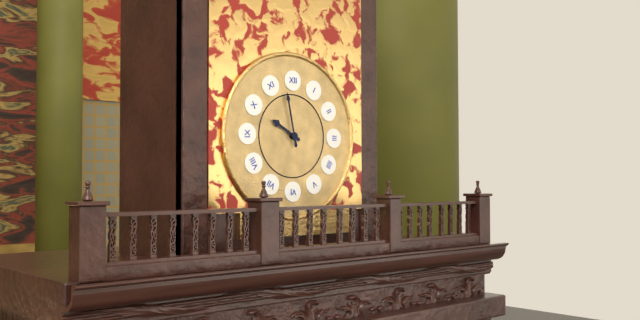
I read 9.58
